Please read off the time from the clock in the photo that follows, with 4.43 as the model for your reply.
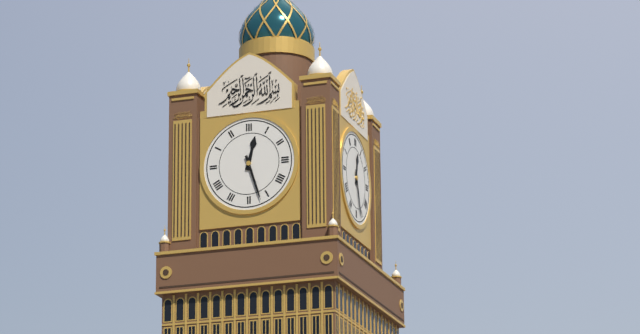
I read 12.27
